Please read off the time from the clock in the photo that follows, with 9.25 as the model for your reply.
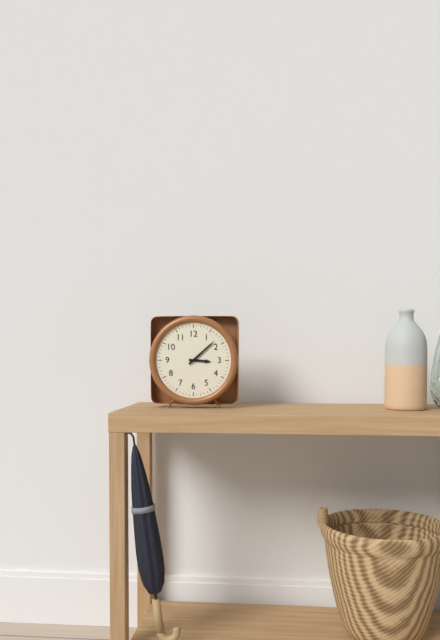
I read 3.08
